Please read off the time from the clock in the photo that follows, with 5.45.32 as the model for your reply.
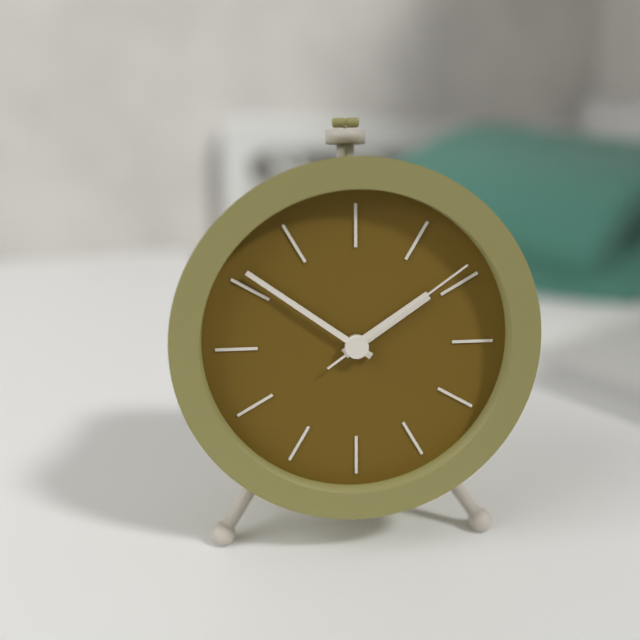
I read 1.51.09
